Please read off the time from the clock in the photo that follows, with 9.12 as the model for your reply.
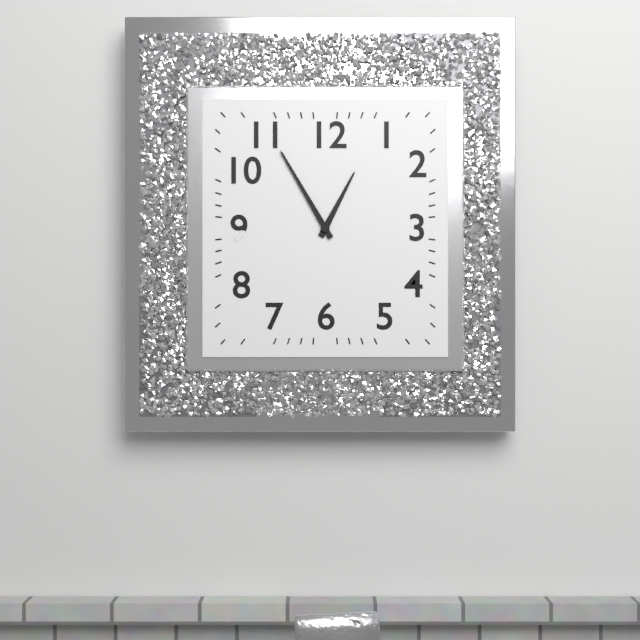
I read 12.55
